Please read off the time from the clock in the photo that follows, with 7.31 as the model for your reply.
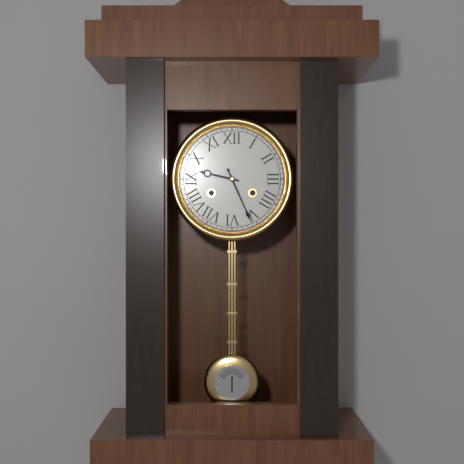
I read 9.26
